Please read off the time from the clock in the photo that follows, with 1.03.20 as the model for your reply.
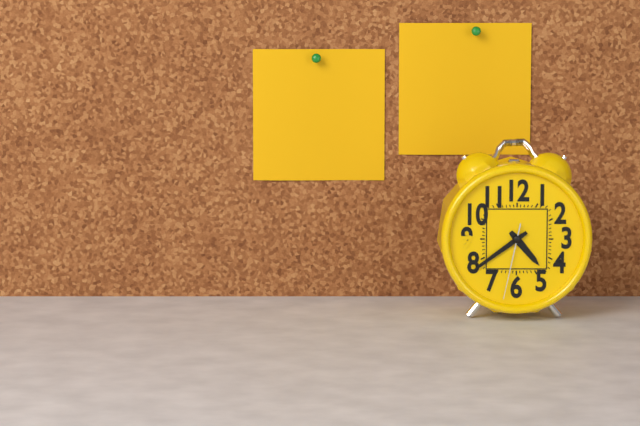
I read 4.39.32
